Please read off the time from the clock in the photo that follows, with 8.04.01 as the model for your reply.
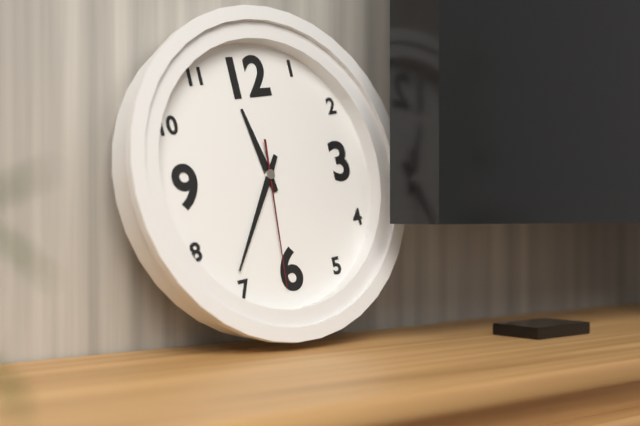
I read 11.36.31
